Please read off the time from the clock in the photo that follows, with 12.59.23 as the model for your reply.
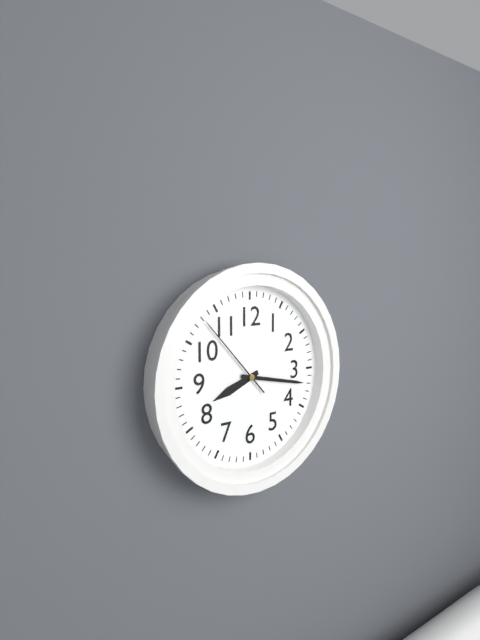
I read 8.17.53
